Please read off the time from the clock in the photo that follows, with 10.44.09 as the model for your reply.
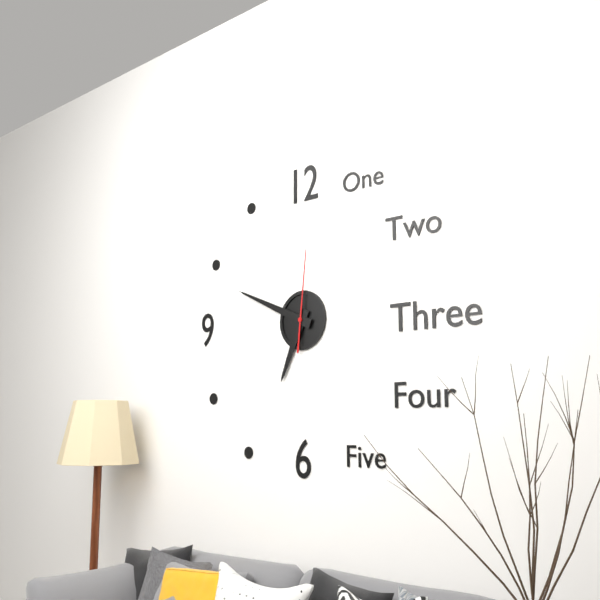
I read 6.49.01
